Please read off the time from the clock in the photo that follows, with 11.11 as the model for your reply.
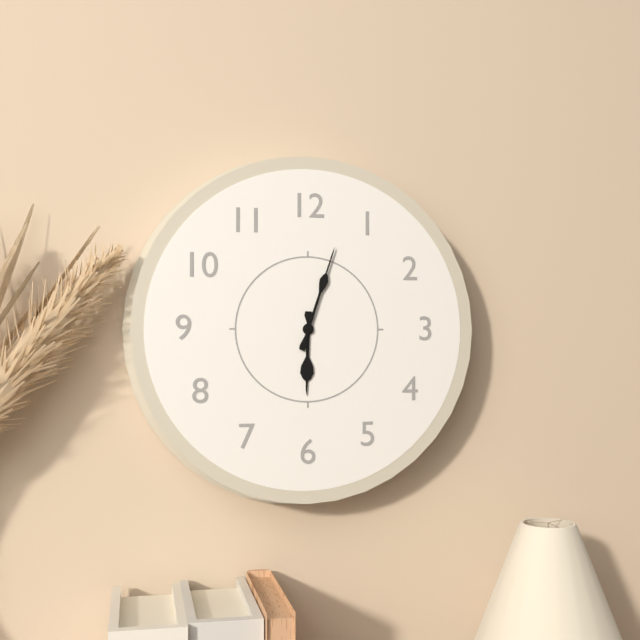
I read 6.03
